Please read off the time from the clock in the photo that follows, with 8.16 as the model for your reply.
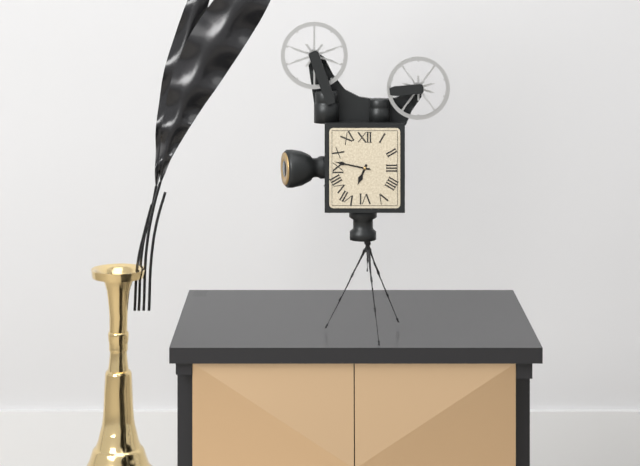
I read 6.47
